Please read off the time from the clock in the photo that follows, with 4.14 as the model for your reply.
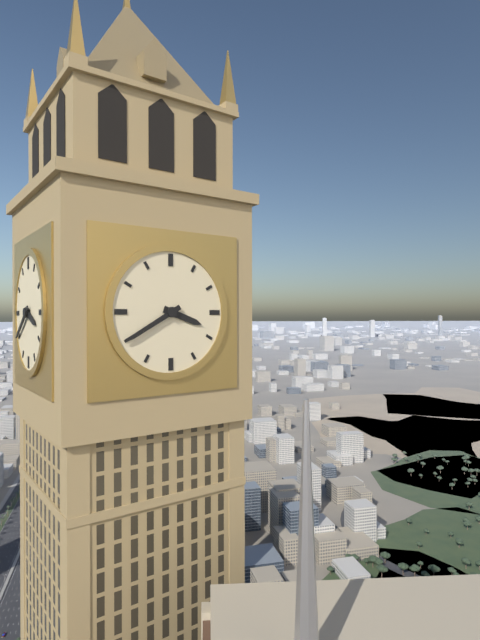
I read 3.40
